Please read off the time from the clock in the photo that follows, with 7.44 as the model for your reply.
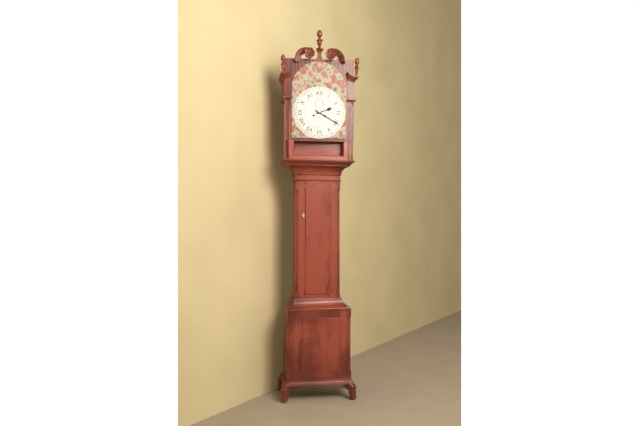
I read 2.20
